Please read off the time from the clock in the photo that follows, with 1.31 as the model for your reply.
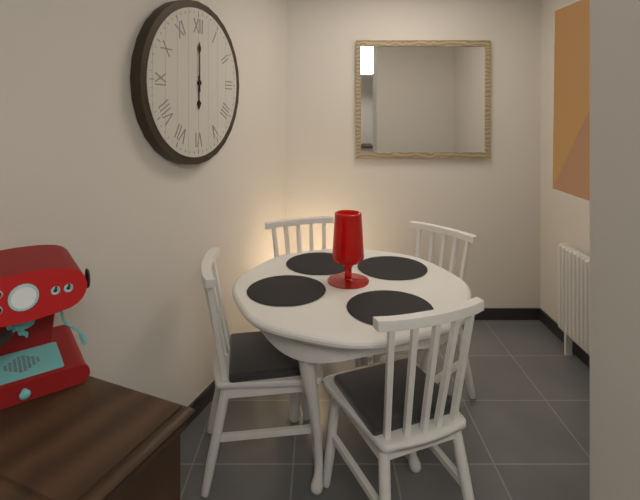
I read 6.00
